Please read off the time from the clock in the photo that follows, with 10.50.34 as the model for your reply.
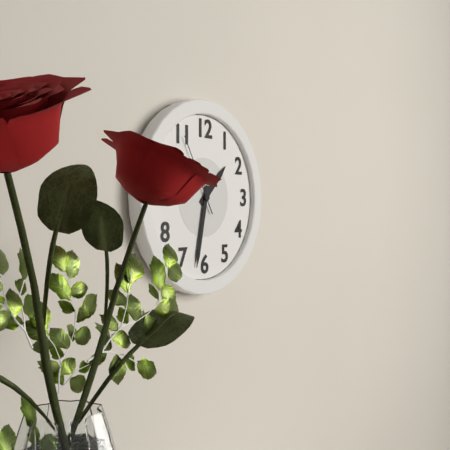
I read 1.32.55
